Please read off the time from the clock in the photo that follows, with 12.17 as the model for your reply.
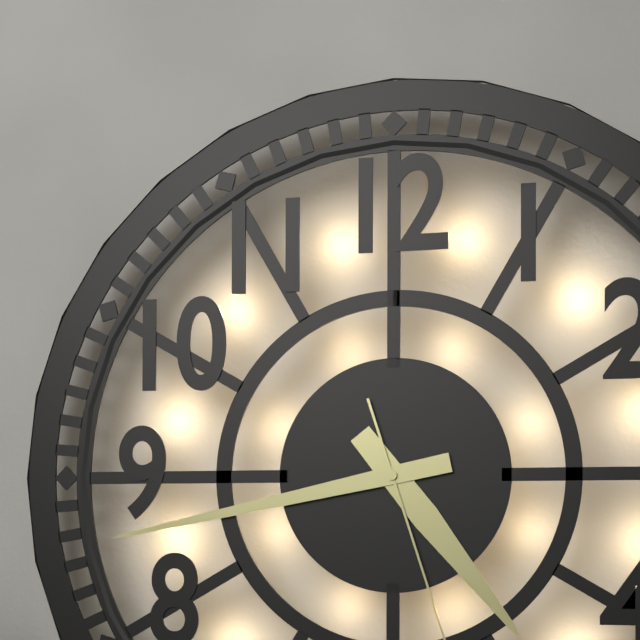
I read 4.43
